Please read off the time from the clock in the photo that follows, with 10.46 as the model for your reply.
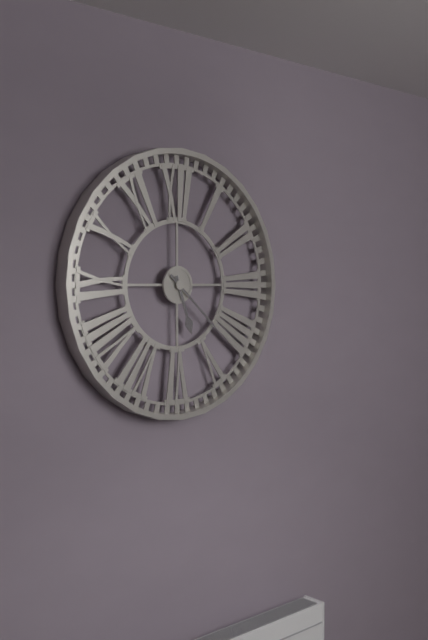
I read 5.22
